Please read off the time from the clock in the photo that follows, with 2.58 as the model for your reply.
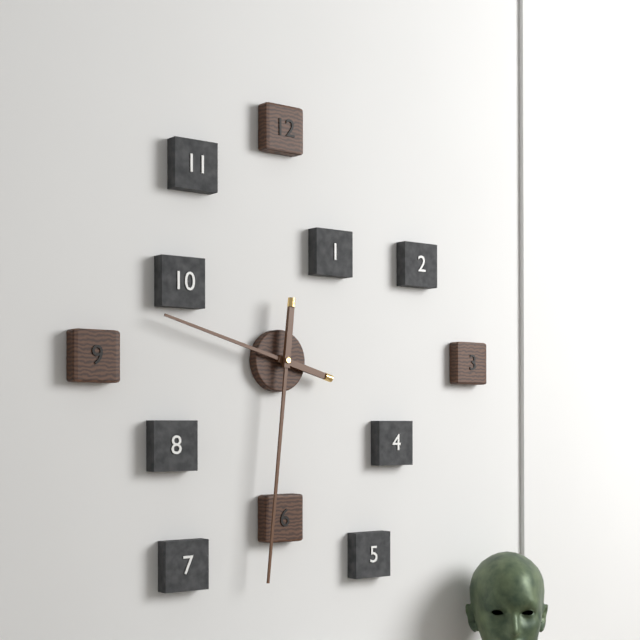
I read 9.31
